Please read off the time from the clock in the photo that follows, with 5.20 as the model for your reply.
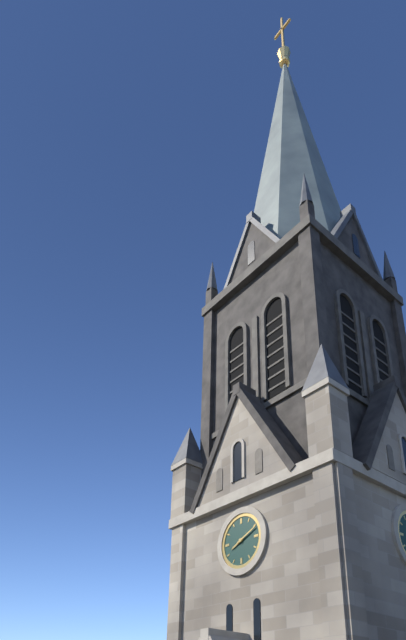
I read 8.11
